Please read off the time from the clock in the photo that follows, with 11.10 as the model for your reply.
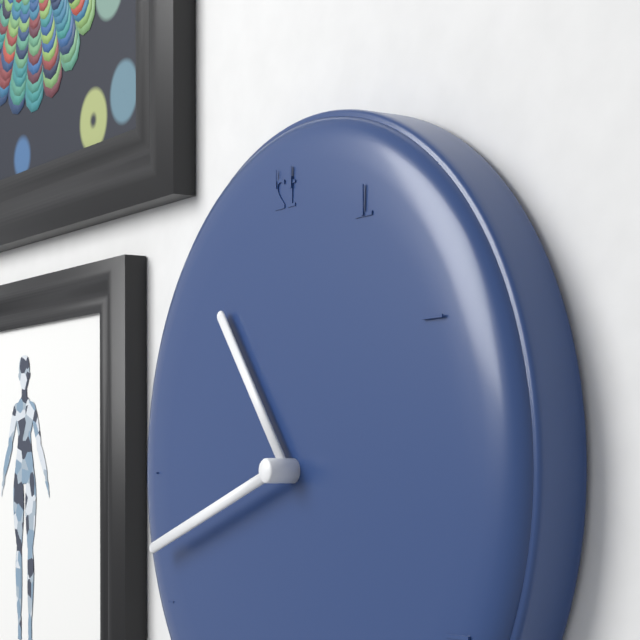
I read 10.42
